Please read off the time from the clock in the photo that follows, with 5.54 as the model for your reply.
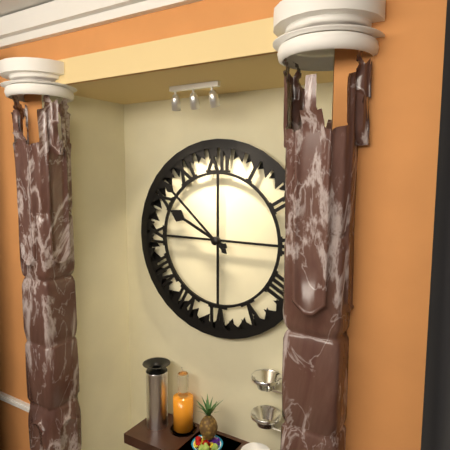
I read 9.52
